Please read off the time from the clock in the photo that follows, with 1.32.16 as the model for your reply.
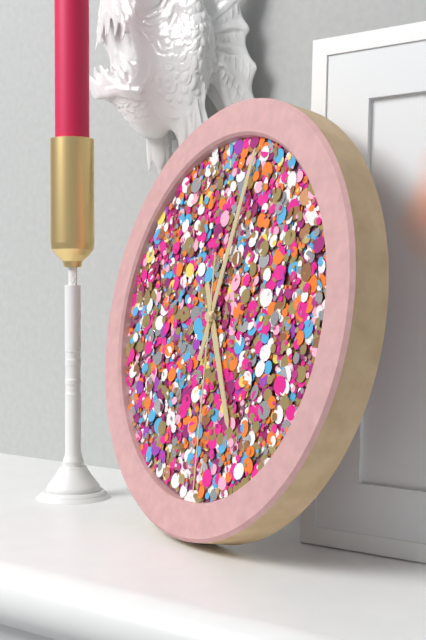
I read 5.02.29
